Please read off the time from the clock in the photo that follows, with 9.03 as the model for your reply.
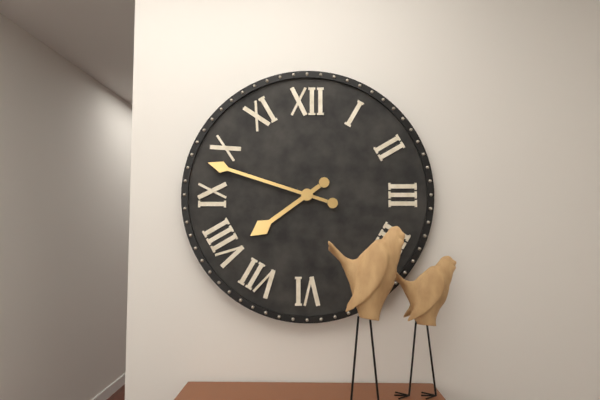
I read 7.48
